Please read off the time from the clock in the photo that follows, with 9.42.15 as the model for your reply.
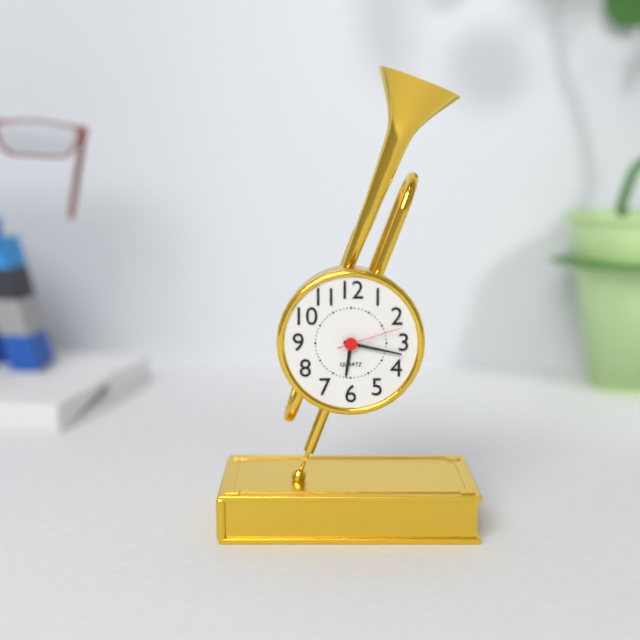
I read 6.17.12
